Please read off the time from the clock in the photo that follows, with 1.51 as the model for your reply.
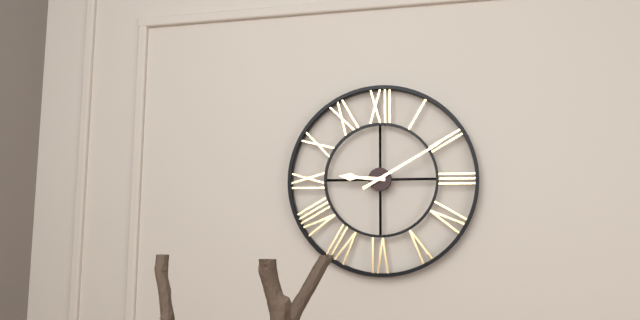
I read 9.10
